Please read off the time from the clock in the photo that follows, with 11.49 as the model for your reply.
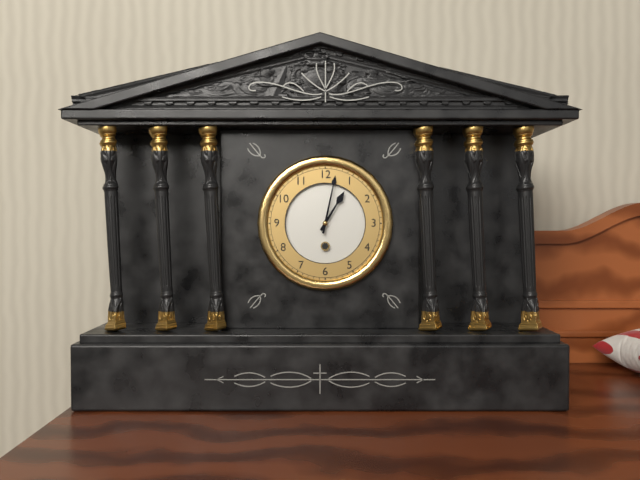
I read 1.02
